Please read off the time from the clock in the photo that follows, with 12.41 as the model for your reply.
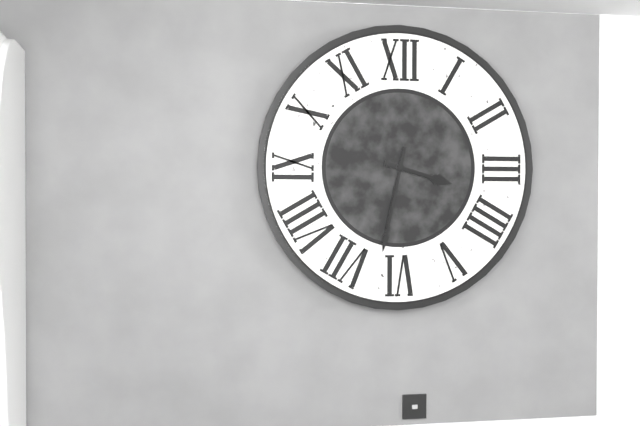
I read 3.32
